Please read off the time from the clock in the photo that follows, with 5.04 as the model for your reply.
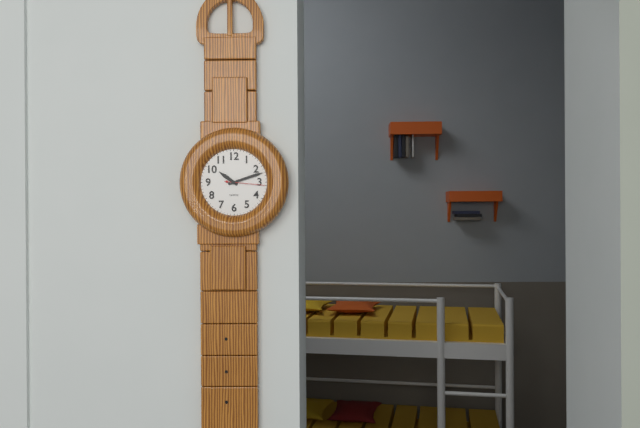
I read 10.12
